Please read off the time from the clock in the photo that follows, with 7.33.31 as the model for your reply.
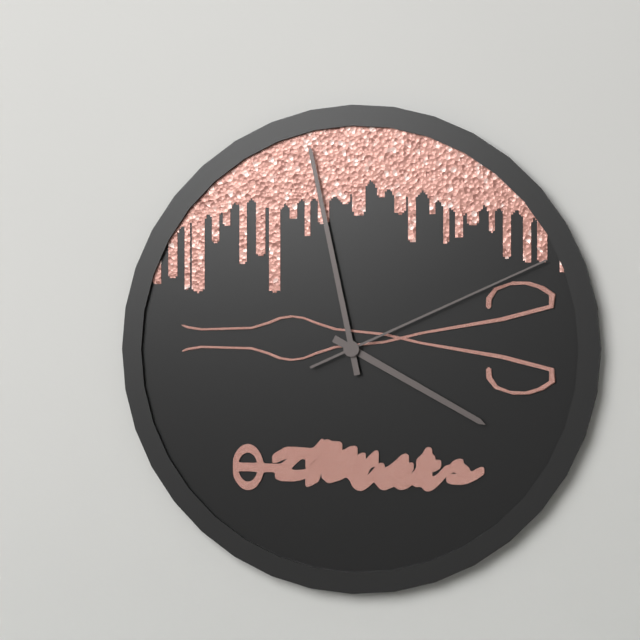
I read 3.58.11
